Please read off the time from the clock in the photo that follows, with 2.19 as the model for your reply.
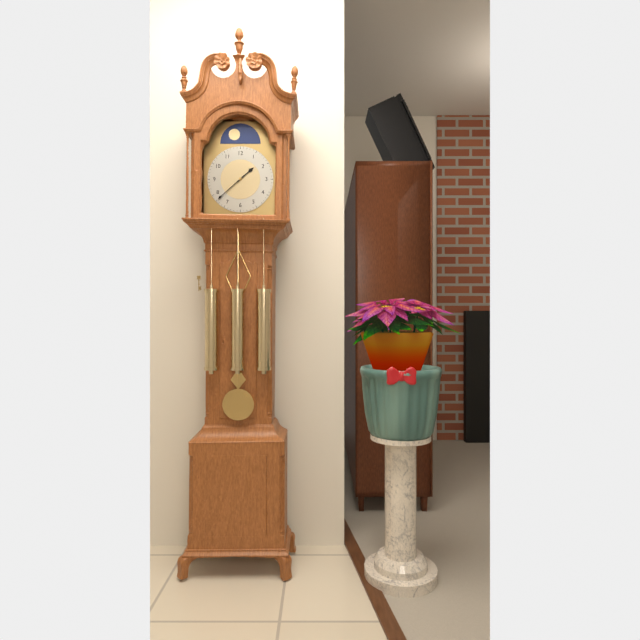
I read 1.38
